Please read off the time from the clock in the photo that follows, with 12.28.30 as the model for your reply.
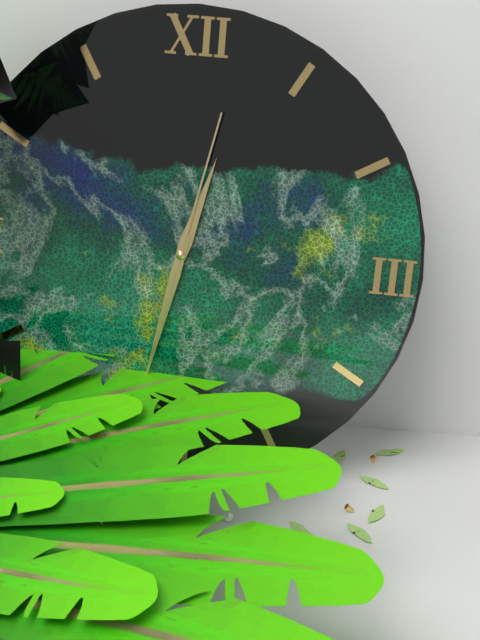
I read 12.32.02
